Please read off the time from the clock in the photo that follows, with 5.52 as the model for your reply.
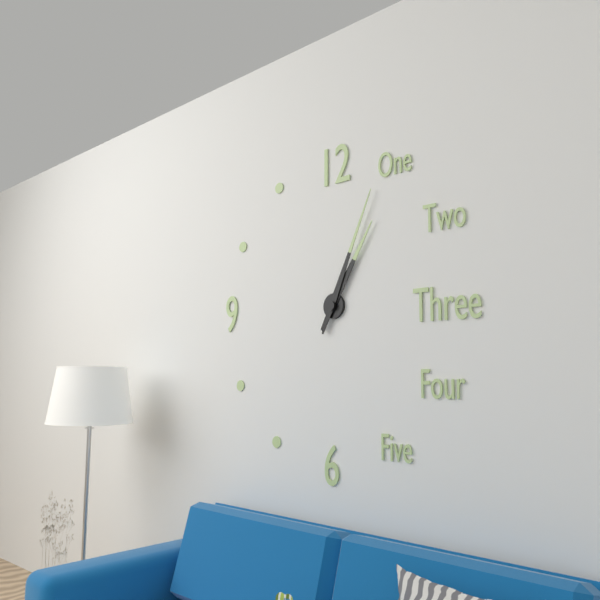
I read 1.04
